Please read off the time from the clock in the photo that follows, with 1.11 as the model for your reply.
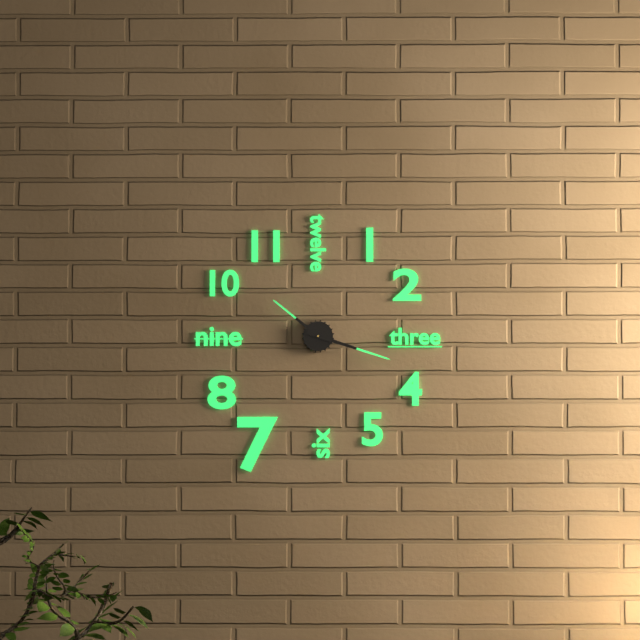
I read 10.18
